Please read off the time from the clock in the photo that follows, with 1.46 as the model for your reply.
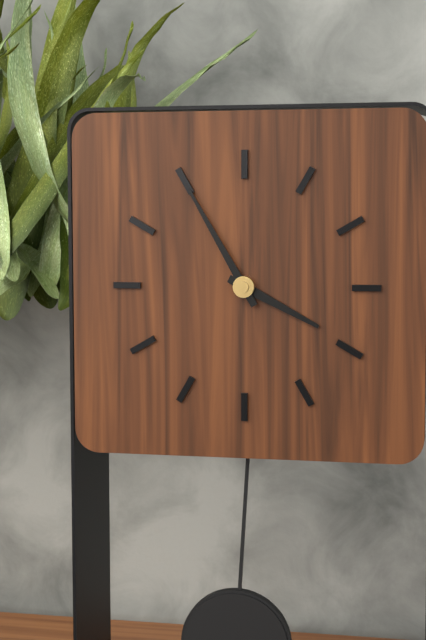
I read 3.55
